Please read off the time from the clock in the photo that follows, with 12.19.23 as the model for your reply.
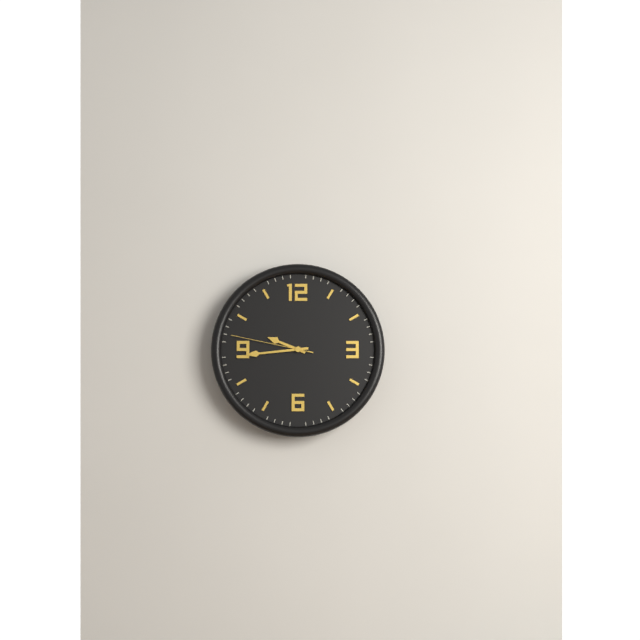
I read 9.44.47
